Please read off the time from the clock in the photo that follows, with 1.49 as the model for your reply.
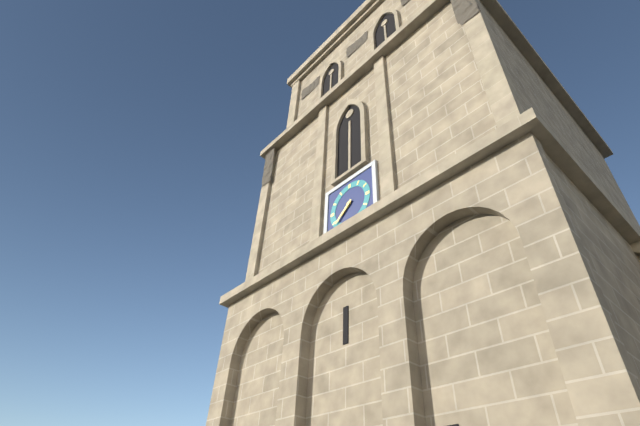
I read 7.38
